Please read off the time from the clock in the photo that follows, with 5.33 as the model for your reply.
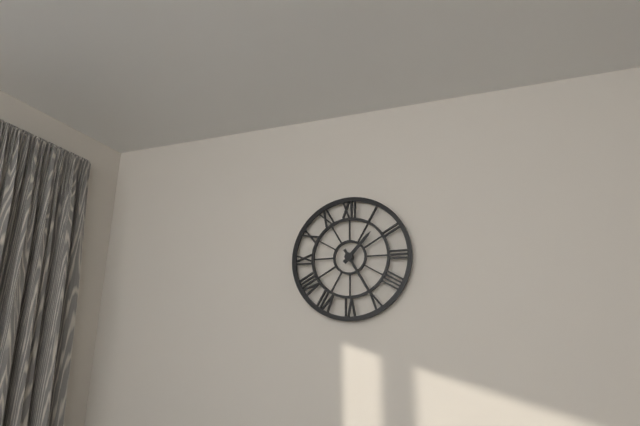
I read 1.25
